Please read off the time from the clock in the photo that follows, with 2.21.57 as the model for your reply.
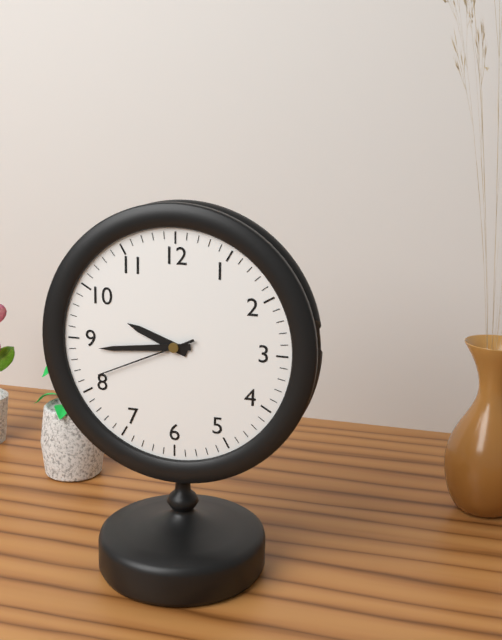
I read 9.44.41
